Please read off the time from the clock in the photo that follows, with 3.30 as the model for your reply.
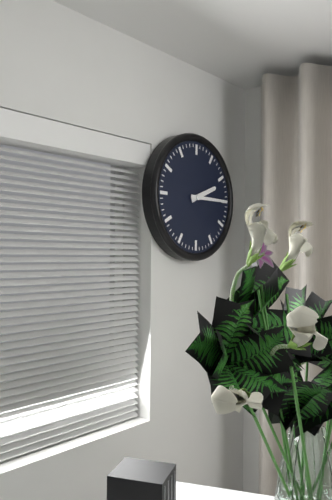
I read 2.15
